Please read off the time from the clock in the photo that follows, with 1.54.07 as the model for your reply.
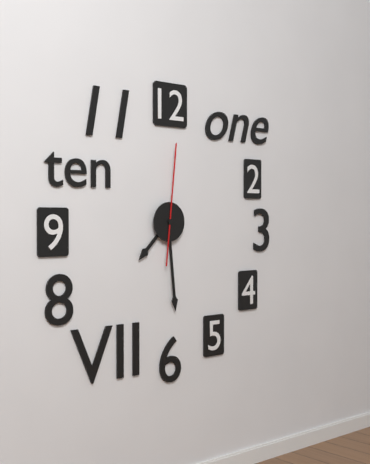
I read 7.29.01
